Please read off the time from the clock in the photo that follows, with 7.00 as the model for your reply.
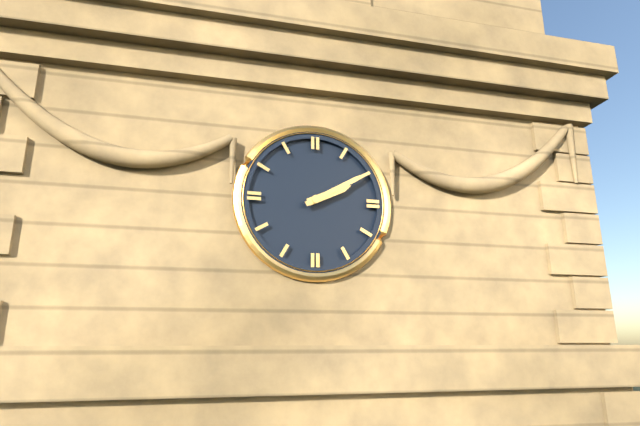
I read 2.10
